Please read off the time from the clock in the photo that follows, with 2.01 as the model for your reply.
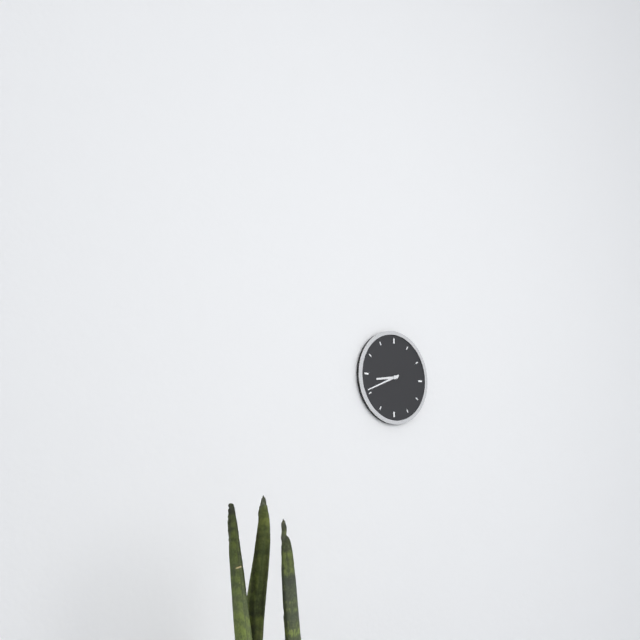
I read 8.41
